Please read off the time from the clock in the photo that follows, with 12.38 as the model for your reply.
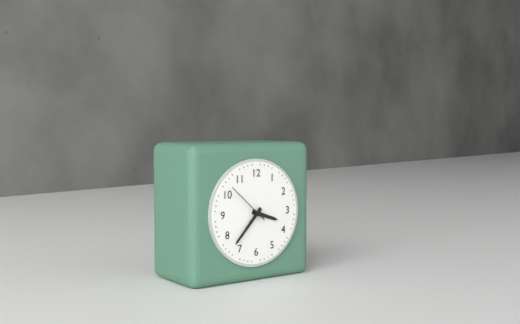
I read 3.37
